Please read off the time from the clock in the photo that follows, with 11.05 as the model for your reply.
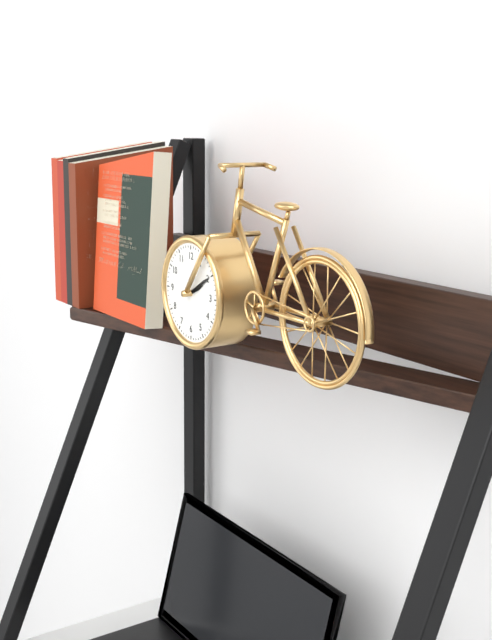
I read 2.10
